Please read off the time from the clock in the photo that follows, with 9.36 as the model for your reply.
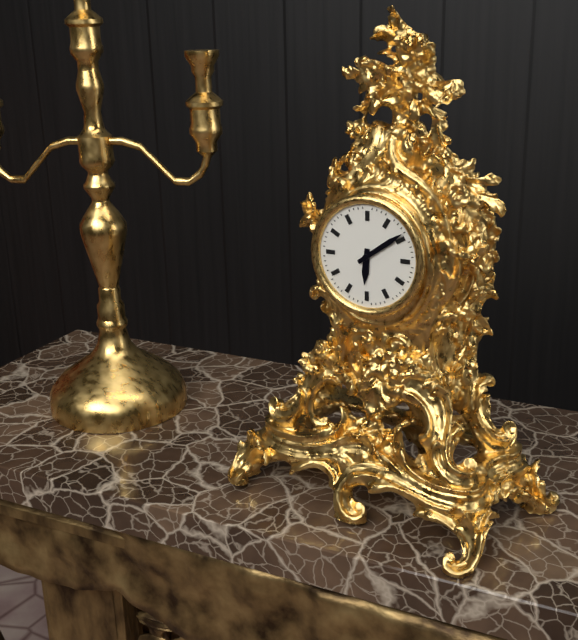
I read 6.09
